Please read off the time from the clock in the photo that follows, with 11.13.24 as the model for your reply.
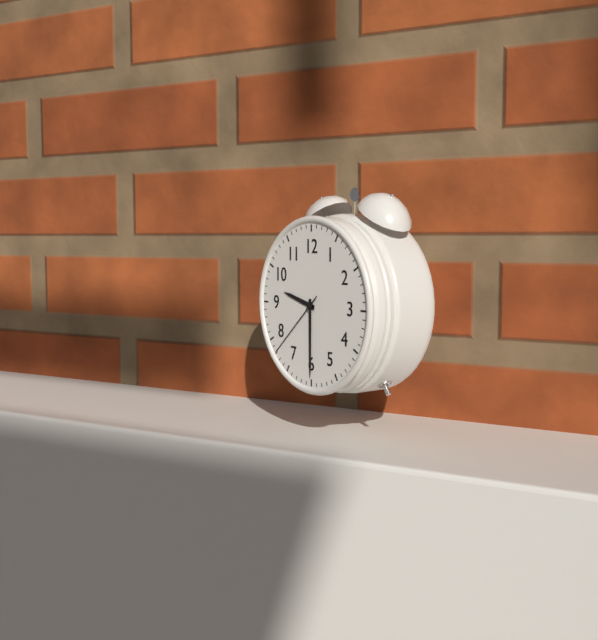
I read 9.30.38
